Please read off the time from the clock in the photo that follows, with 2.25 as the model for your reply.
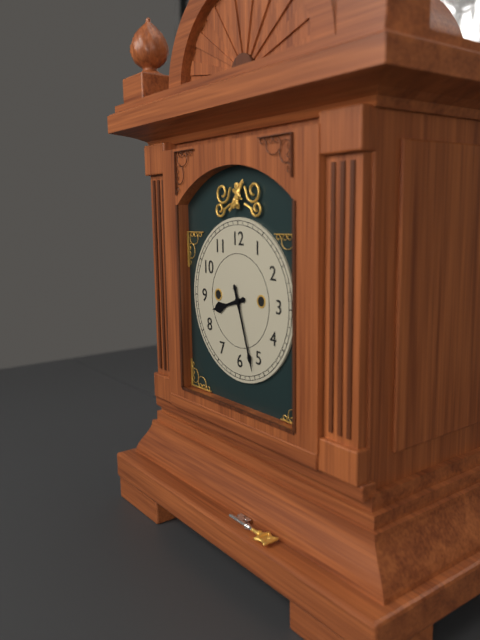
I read 8.27
